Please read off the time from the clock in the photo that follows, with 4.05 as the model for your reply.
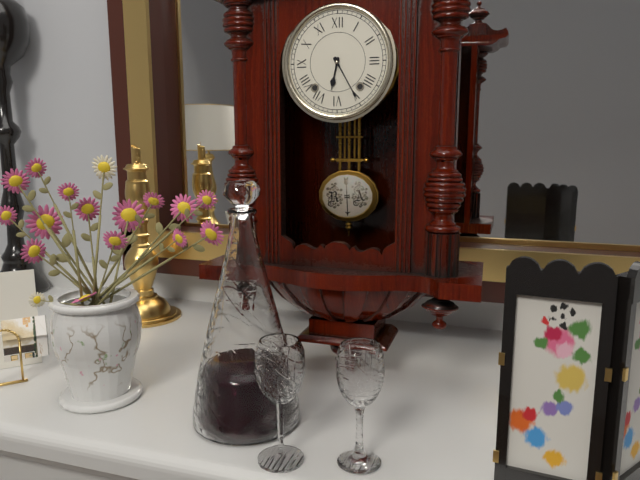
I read 6.25
